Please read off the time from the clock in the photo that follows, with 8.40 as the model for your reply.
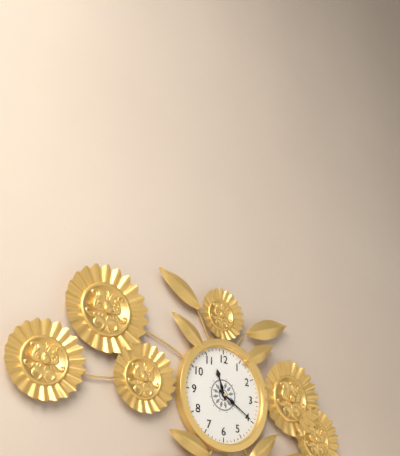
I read 11.20
